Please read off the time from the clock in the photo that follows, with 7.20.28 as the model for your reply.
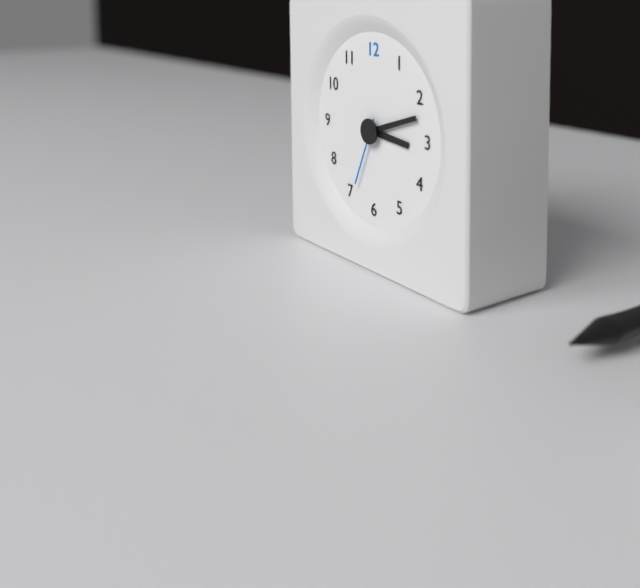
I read 3.12.34
